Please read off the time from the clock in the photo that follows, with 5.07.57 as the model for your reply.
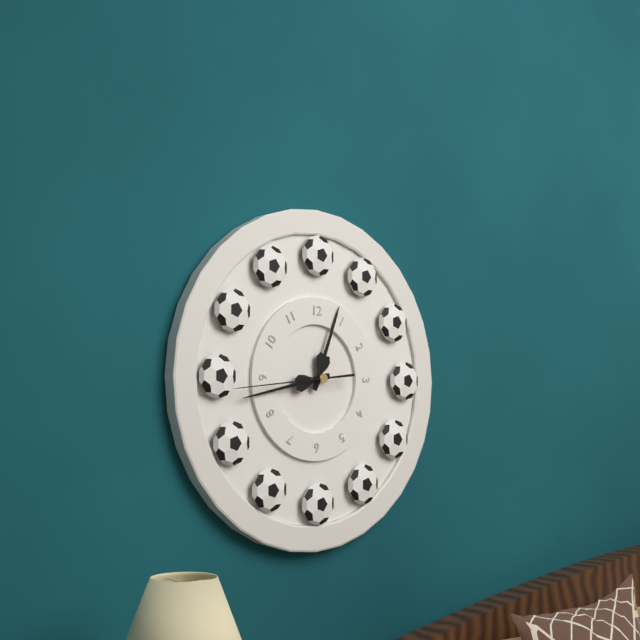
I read 12.43.44
